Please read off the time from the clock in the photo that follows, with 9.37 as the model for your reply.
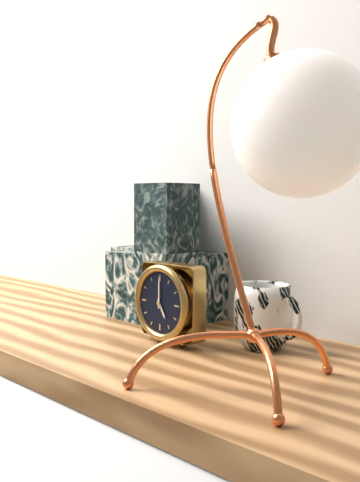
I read 5.00
